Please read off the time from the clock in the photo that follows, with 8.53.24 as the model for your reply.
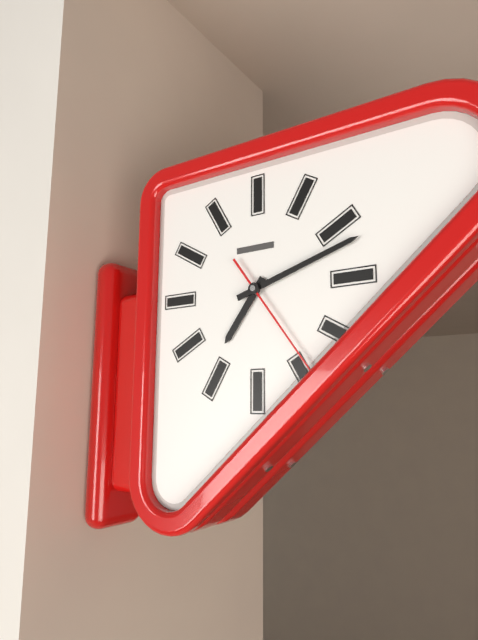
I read 7.12.24
